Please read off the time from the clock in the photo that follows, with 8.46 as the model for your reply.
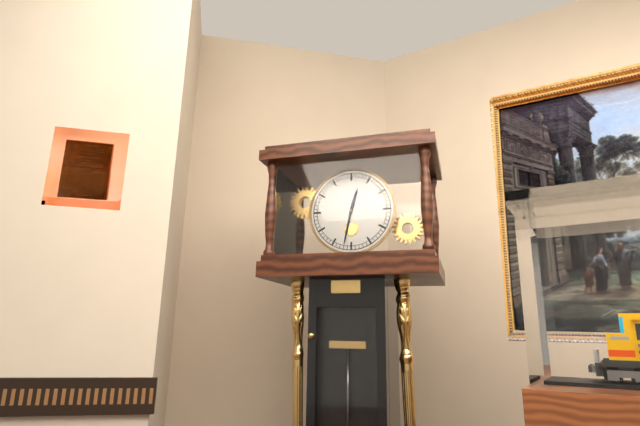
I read 12.32
